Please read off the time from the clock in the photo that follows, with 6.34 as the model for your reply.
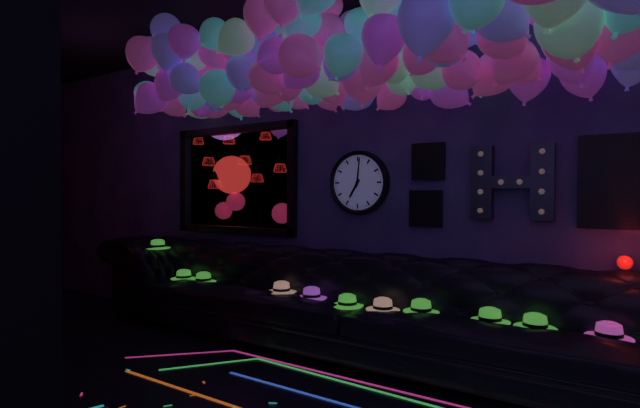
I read 7.01
